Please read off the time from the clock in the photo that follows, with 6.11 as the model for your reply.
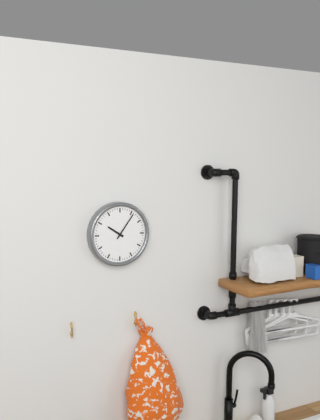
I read 10.06
